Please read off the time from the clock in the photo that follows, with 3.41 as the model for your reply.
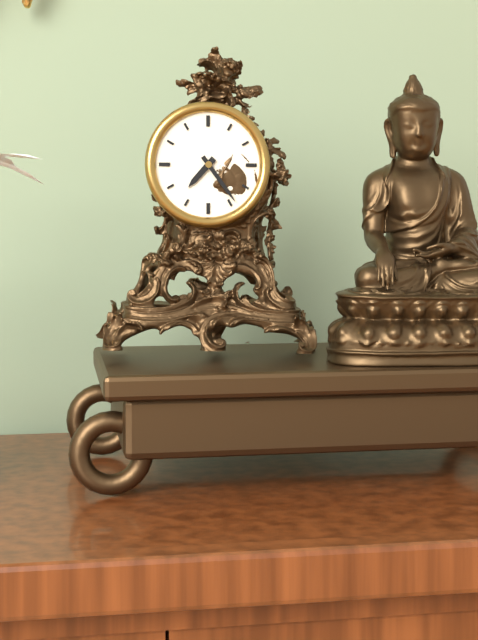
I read 7.24
